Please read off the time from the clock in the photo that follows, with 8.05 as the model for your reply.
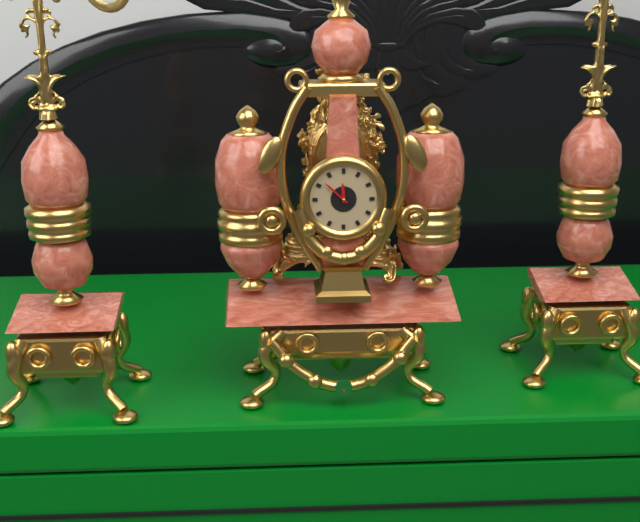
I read 11.52
